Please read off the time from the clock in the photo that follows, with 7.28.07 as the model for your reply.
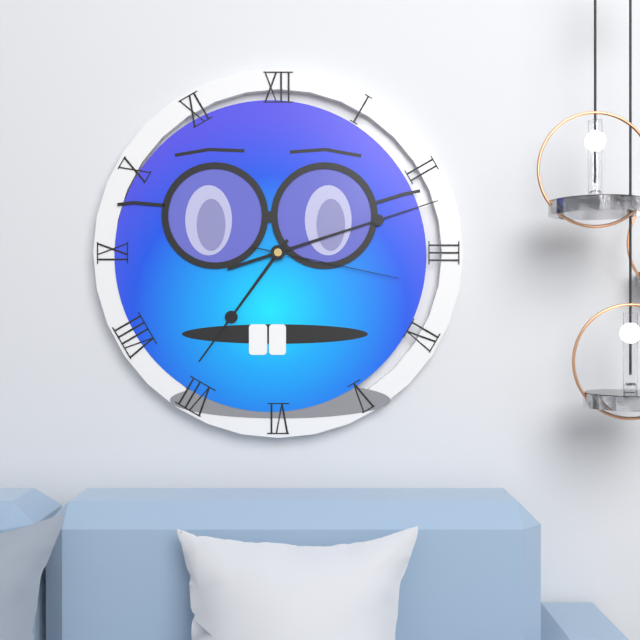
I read 7.12.17
